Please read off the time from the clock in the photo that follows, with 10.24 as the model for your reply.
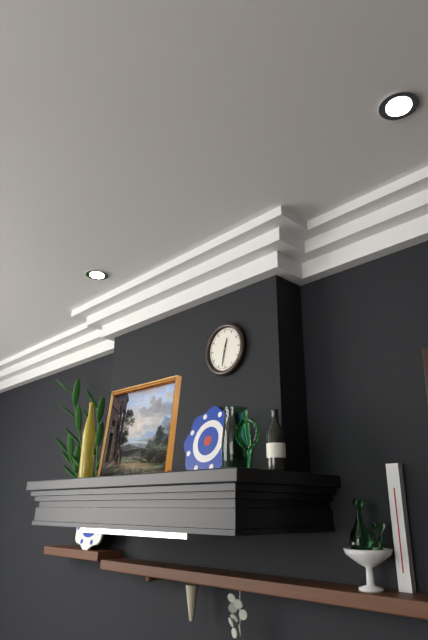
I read 12.32
